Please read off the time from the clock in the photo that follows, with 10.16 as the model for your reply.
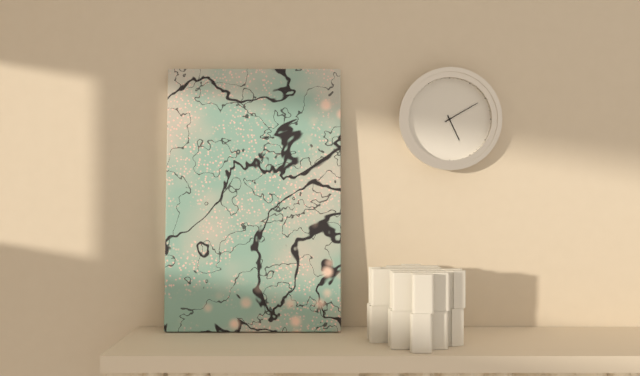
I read 5.10
